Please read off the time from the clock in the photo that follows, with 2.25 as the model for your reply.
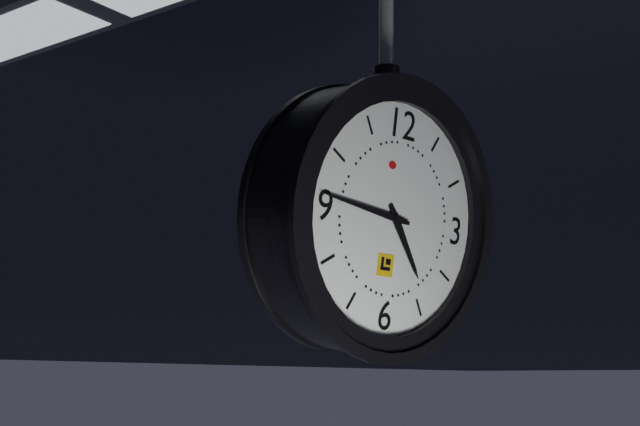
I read 4.46
